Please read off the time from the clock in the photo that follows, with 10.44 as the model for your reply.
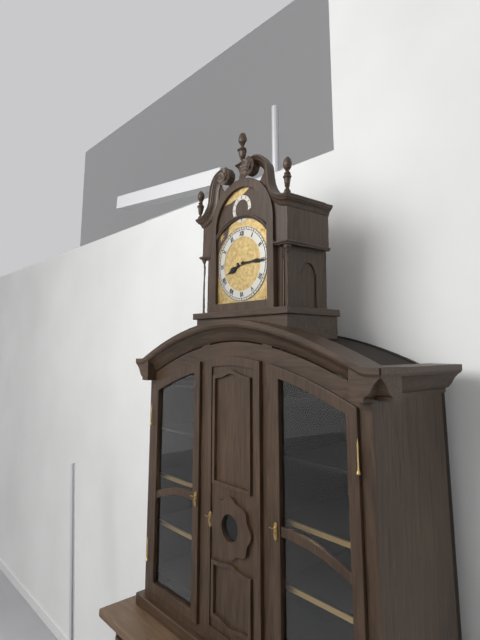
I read 8.15
